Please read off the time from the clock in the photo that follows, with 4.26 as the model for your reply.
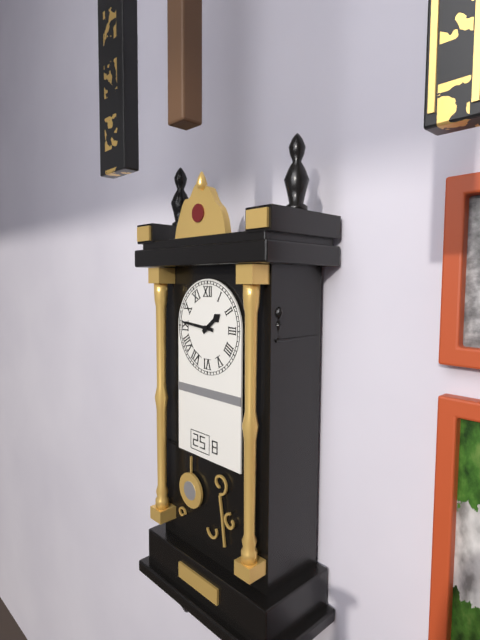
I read 1.46
